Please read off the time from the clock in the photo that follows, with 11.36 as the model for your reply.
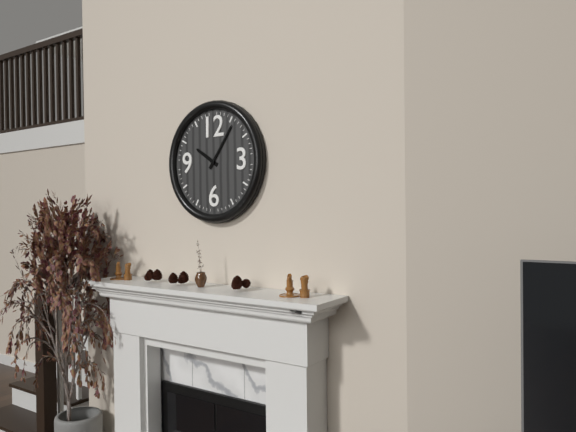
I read 10.06
